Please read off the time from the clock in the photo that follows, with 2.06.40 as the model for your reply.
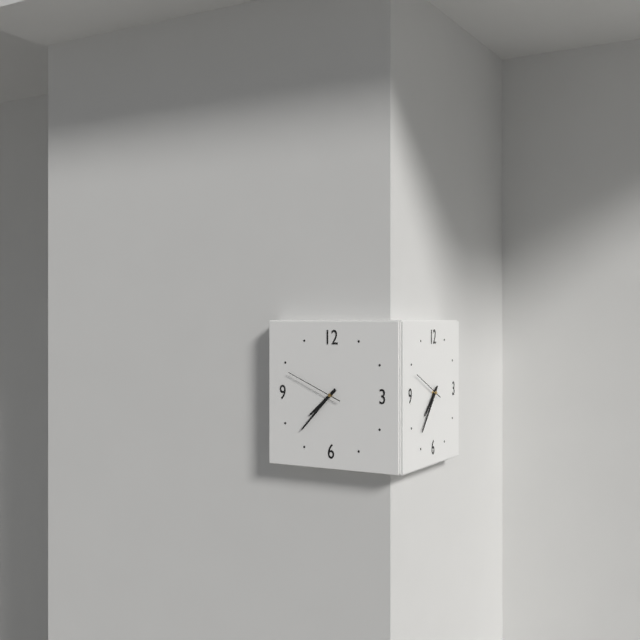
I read 7.37.49
